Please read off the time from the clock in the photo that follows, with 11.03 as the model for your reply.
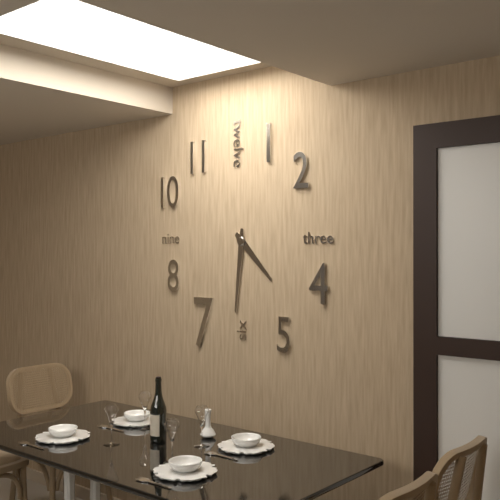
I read 4.31
